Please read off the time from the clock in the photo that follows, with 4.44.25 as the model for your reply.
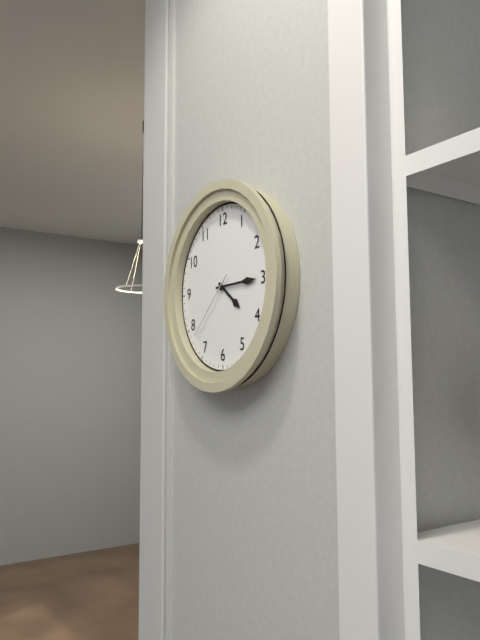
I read 4.15.38
